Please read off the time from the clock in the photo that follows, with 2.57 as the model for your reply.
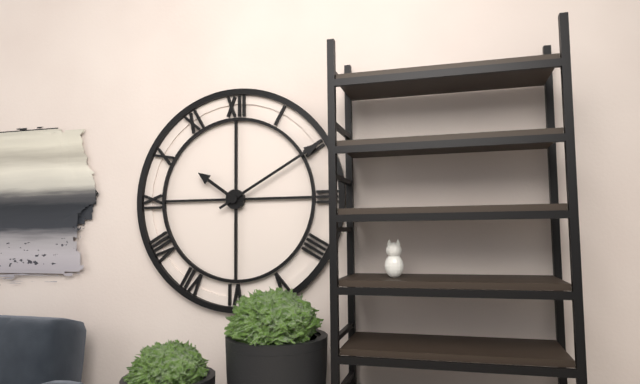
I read 10.10
